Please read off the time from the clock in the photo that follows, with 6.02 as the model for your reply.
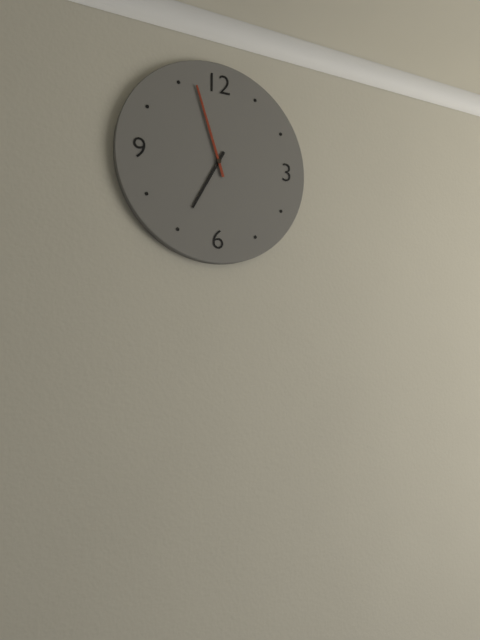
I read 6.57
